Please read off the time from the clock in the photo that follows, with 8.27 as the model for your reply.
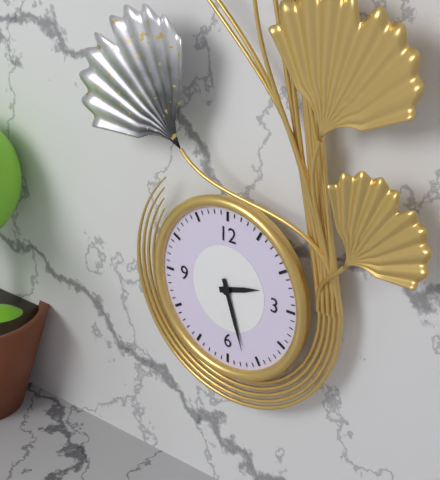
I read 2.27
